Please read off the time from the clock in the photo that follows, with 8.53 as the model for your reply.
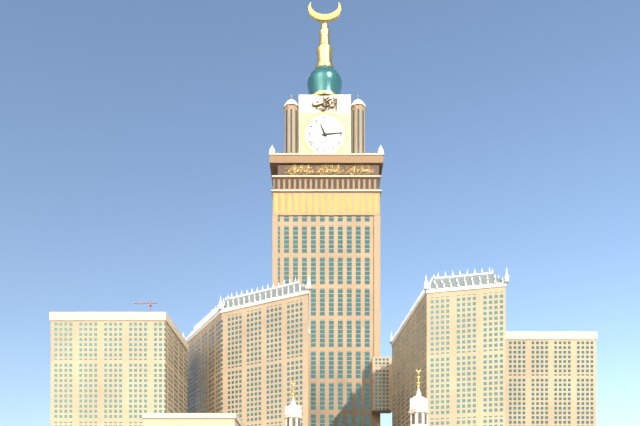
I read 11.14
